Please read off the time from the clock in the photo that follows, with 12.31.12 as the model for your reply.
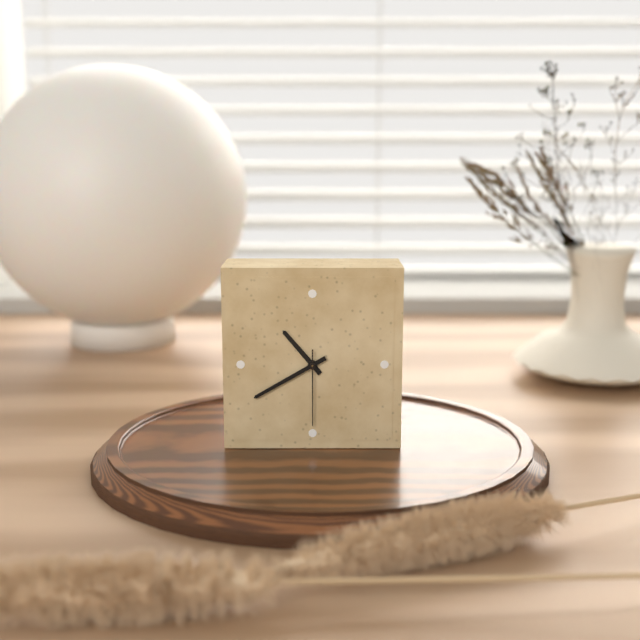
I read 10.40.30
